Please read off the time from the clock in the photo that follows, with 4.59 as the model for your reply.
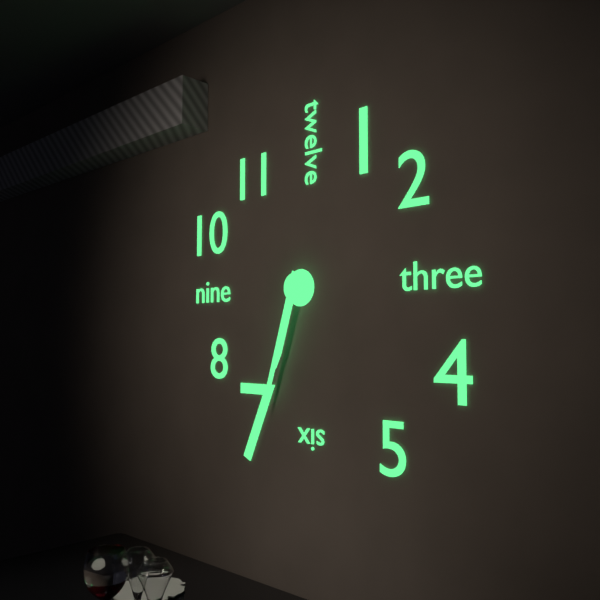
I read 6.33
